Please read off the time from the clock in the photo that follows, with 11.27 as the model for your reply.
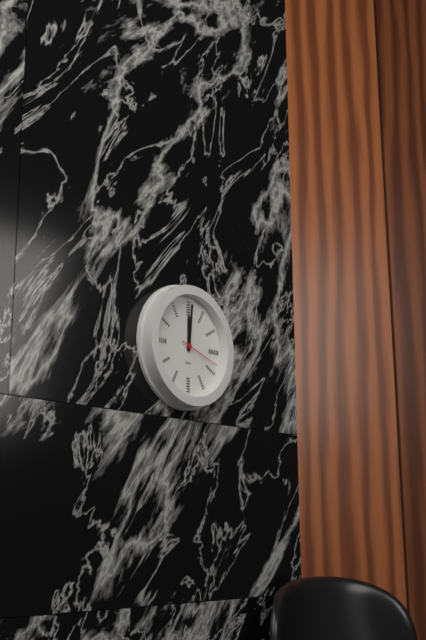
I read 12.01
